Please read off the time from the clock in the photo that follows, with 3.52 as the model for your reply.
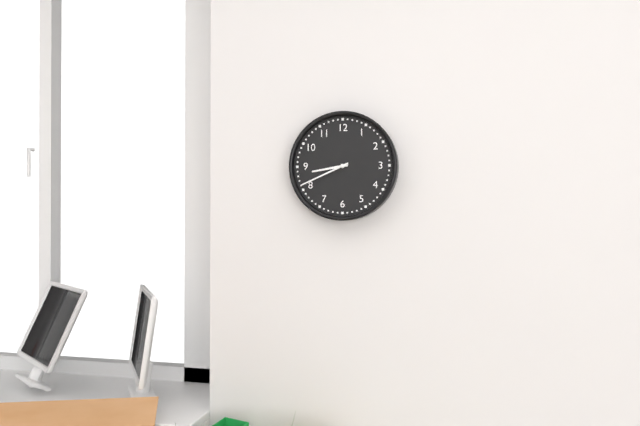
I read 8.41
